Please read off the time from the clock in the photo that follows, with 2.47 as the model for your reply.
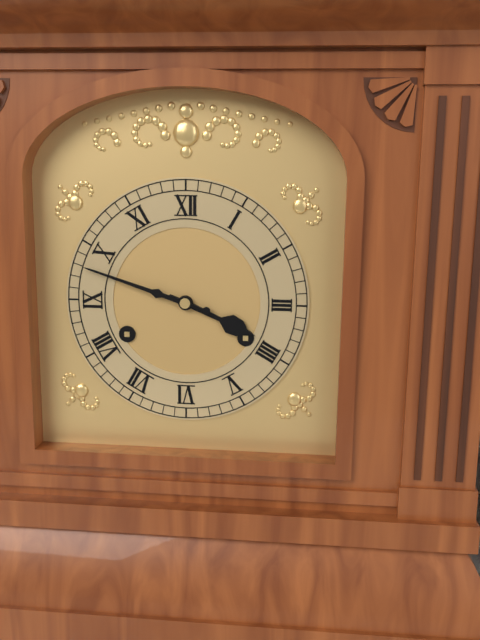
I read 3.48
